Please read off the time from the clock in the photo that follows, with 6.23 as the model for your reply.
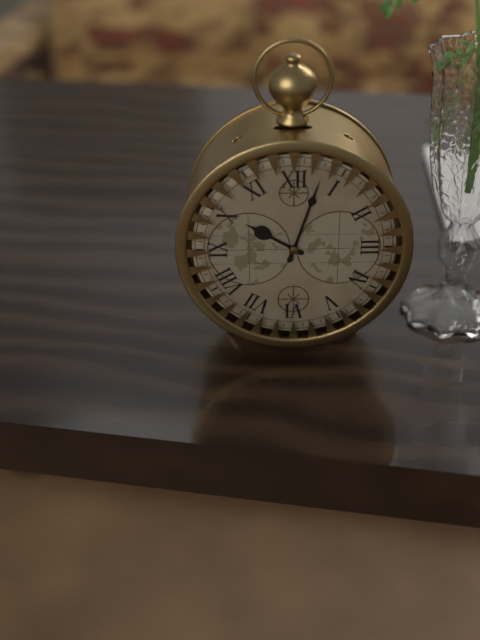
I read 10.03
